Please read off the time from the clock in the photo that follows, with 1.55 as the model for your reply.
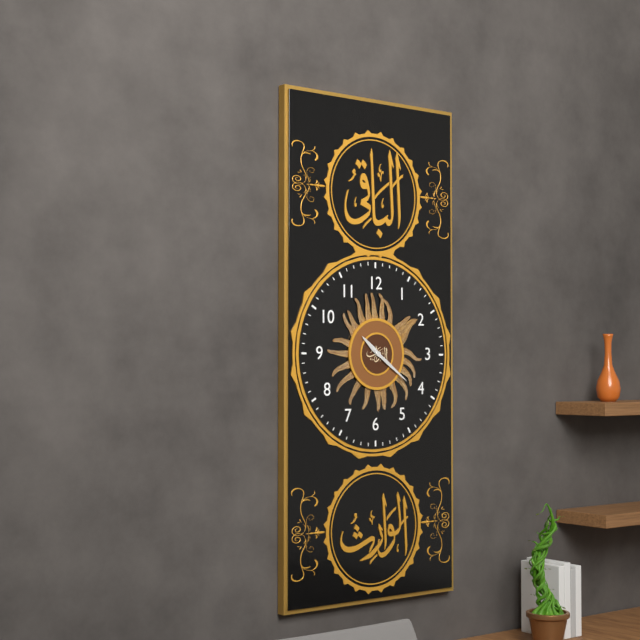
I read 10.21
